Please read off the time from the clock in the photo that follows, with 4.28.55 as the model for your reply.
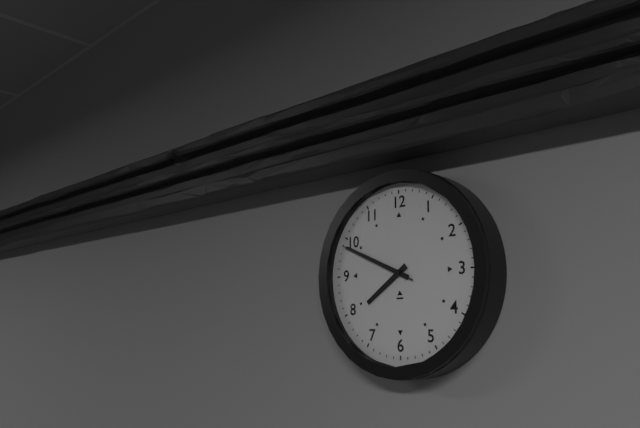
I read 7.49.49
